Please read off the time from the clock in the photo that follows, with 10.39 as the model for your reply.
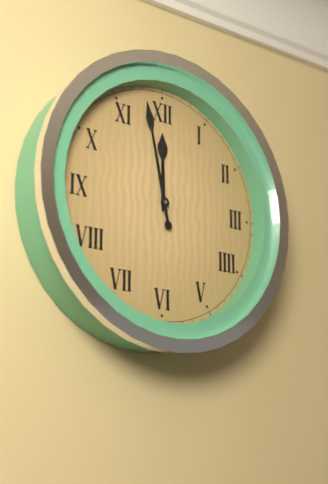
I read 11.58
